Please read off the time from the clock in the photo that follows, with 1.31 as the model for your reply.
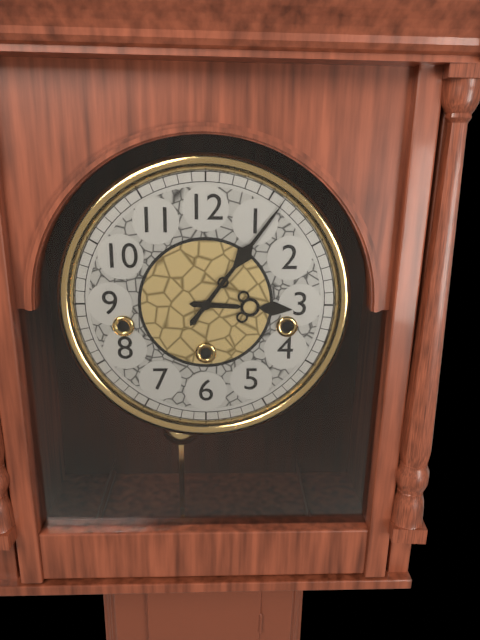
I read 3.06
